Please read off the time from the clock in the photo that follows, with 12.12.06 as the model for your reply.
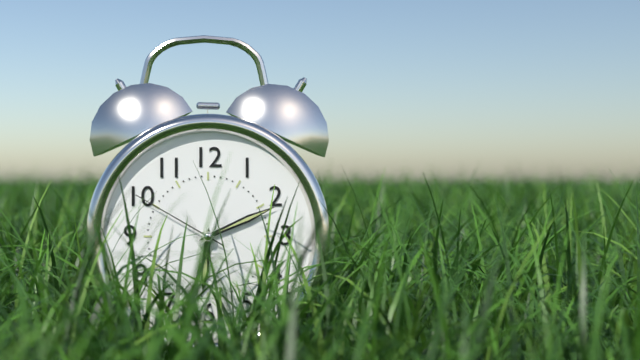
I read 6.11.50
